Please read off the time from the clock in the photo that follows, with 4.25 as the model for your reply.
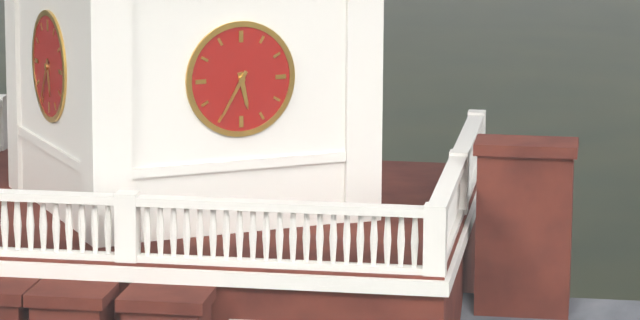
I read 5.35
